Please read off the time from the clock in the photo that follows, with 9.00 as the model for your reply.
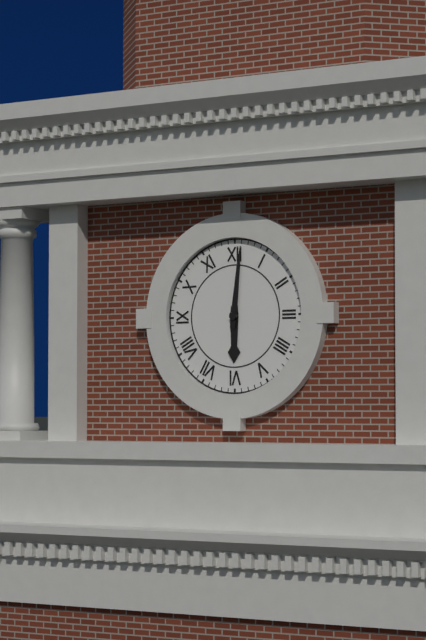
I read 6.01
